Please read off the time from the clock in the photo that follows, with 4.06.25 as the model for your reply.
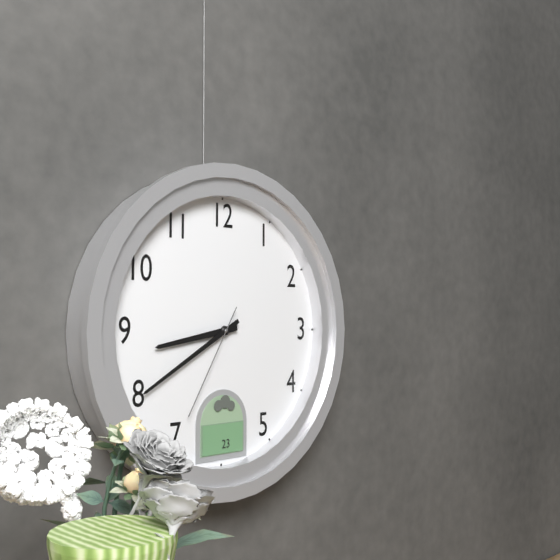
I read 8.40.35
